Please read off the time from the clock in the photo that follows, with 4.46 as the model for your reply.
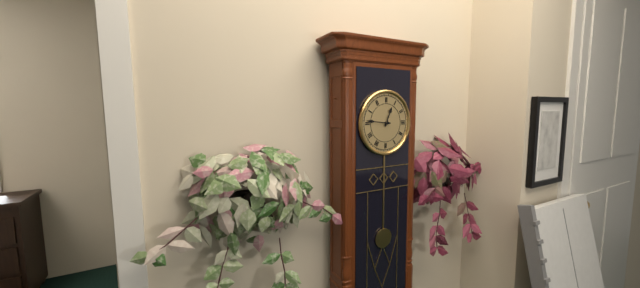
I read 12.46
